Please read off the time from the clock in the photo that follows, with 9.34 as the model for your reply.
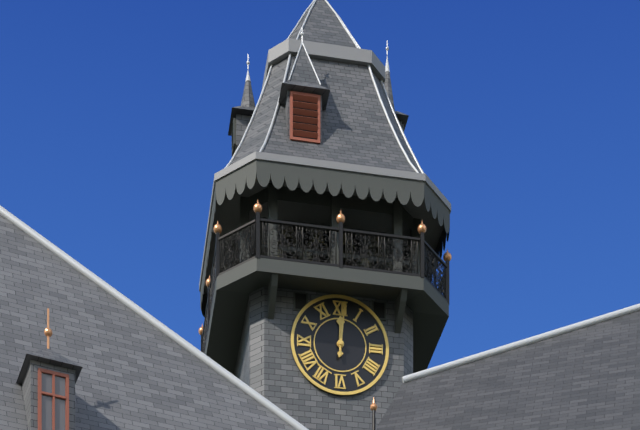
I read 12.01
